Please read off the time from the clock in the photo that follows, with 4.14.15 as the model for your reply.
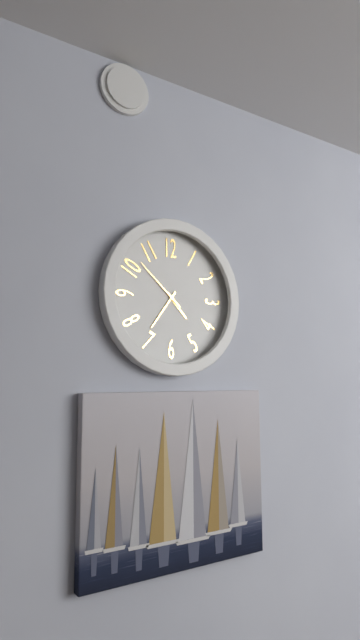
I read 4.36.52
